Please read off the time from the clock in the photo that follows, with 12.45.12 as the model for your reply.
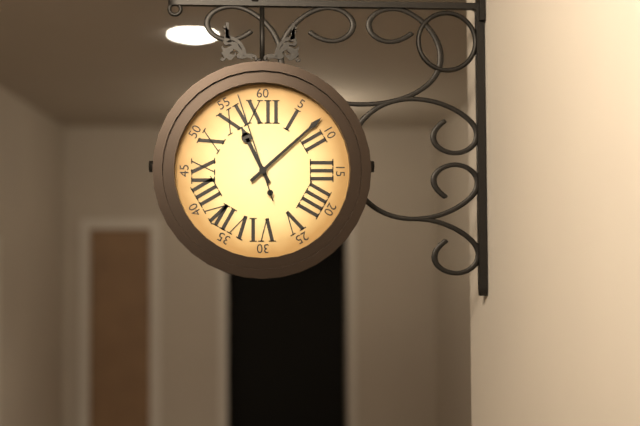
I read 11.08.57
